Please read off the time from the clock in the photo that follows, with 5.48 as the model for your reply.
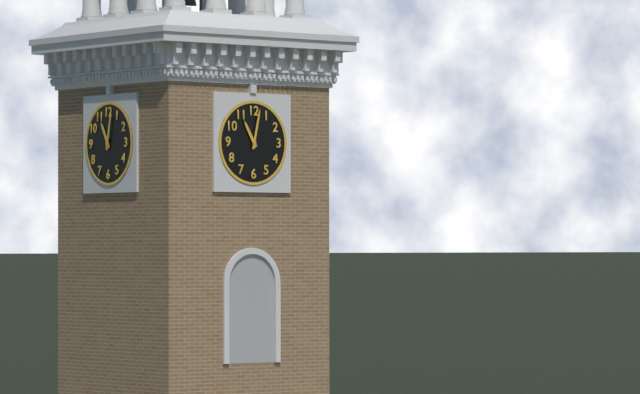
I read 11.02
